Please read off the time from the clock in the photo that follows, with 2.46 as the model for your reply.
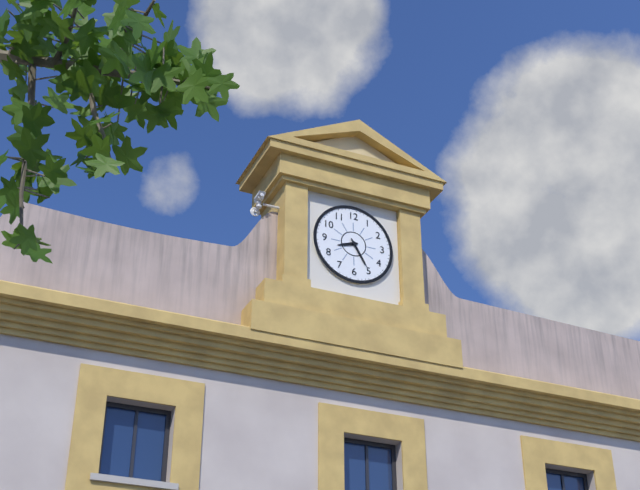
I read 8.25
